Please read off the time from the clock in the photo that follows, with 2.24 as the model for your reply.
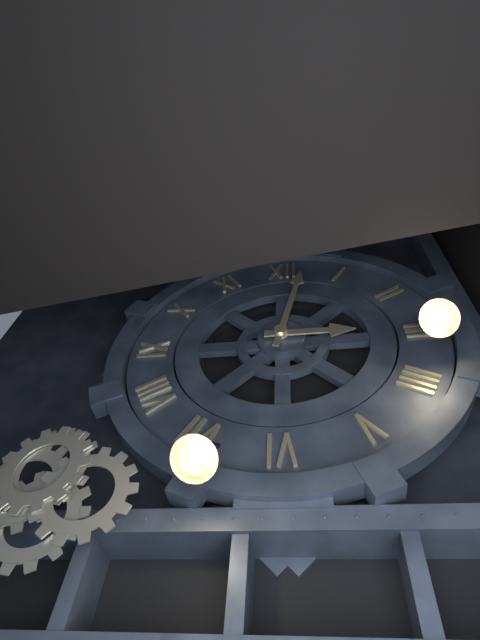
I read 3.02
